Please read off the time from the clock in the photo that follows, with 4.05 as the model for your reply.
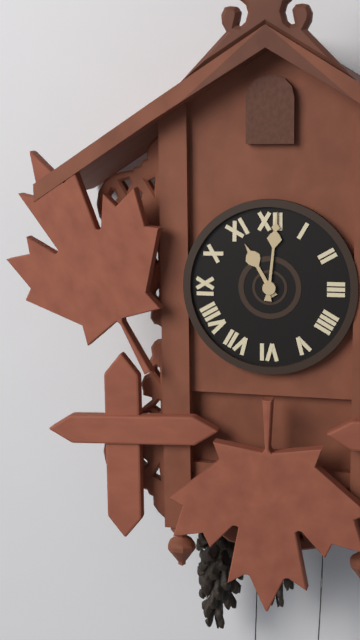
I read 11.01
